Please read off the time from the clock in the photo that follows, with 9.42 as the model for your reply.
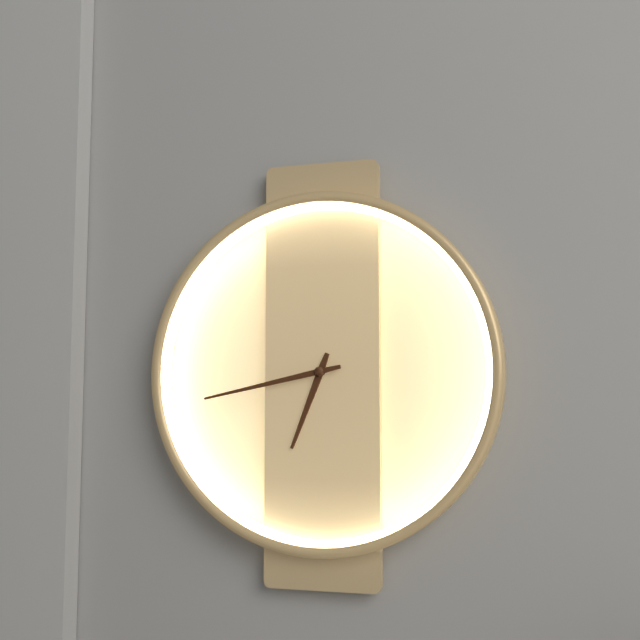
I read 6.43
